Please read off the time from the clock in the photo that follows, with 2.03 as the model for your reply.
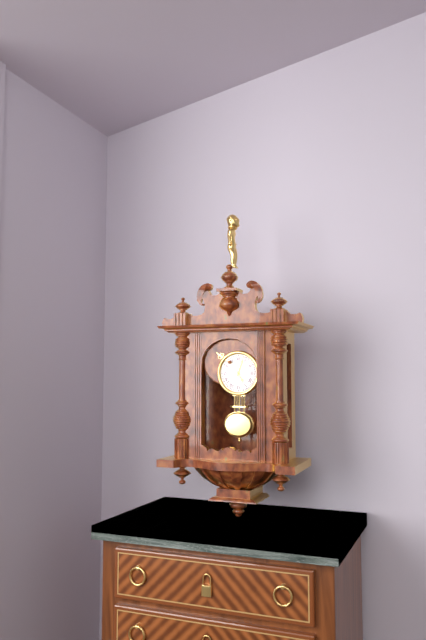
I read 5.03
